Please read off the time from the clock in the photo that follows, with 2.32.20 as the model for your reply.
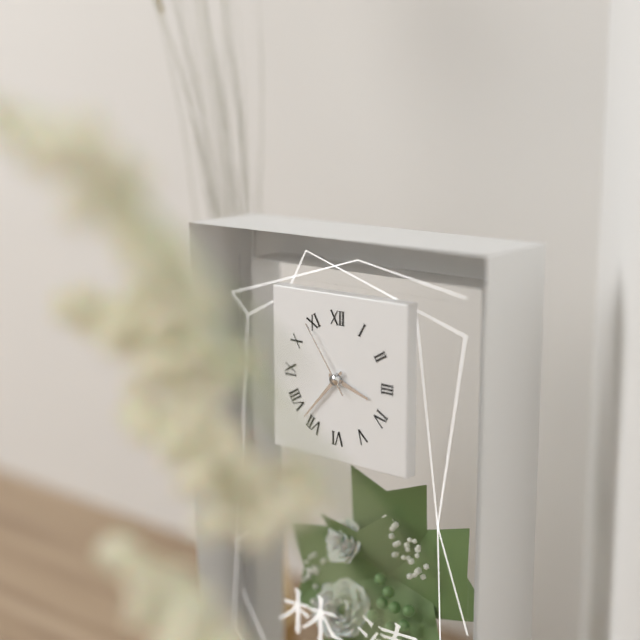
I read 3.37.54
